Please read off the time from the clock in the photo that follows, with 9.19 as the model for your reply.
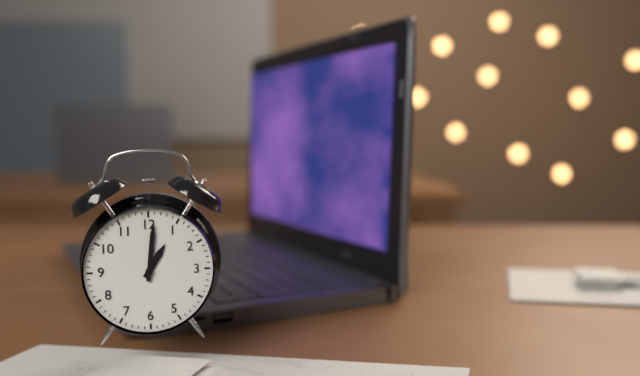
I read 1.01
